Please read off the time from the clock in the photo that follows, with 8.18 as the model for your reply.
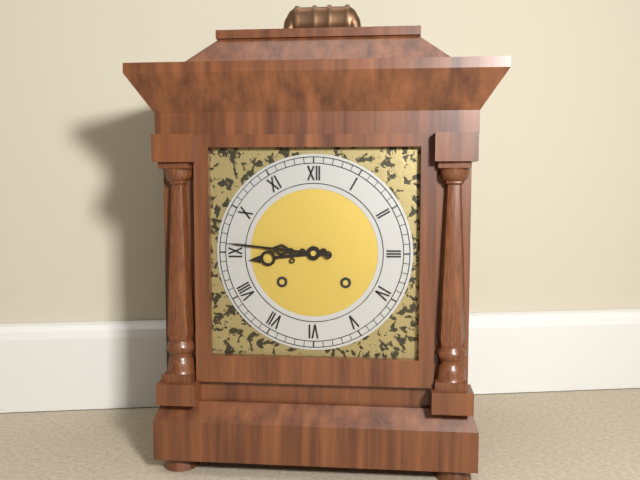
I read 8.46
